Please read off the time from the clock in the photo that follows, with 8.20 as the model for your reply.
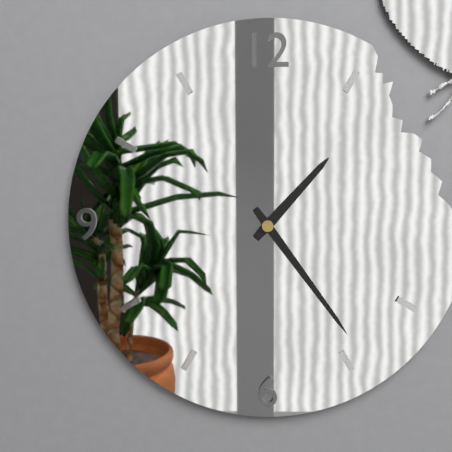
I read 1.24
